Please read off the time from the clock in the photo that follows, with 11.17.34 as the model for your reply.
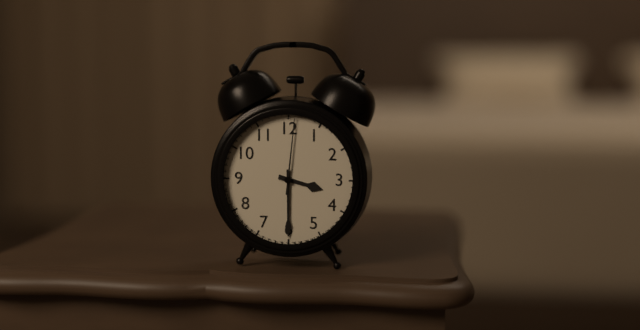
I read 3.30.01
